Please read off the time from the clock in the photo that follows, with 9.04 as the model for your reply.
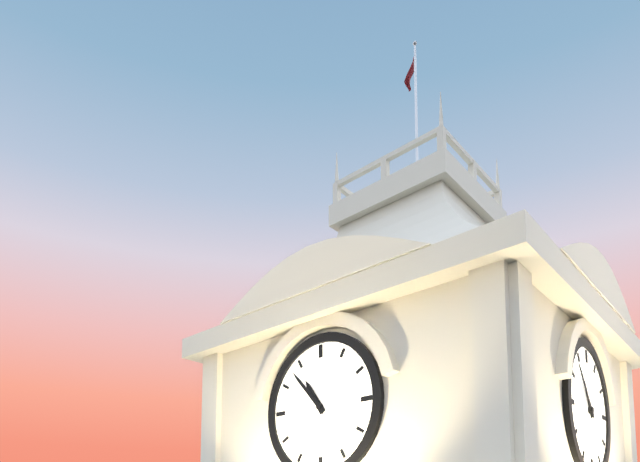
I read 10.53
